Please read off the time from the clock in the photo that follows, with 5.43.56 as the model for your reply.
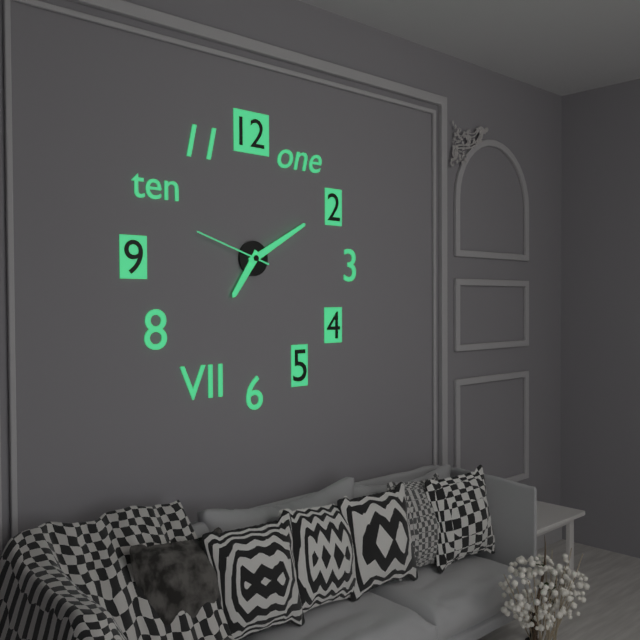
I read 7.10.48
